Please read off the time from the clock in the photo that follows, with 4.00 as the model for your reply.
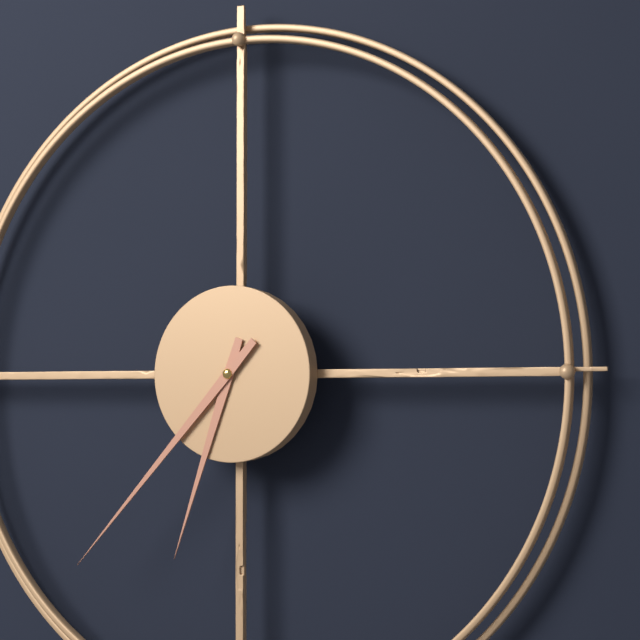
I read 6.37
